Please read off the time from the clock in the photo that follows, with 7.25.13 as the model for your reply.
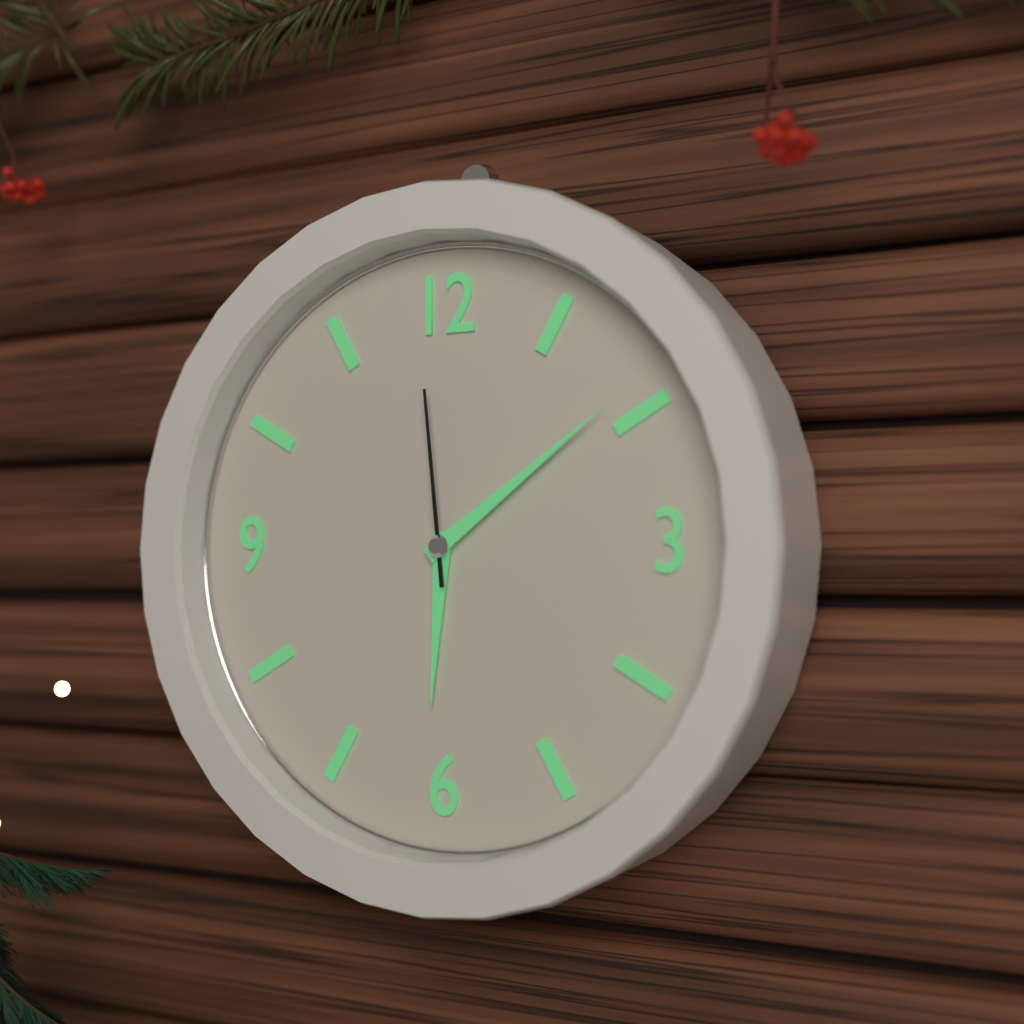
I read 6.09.59
